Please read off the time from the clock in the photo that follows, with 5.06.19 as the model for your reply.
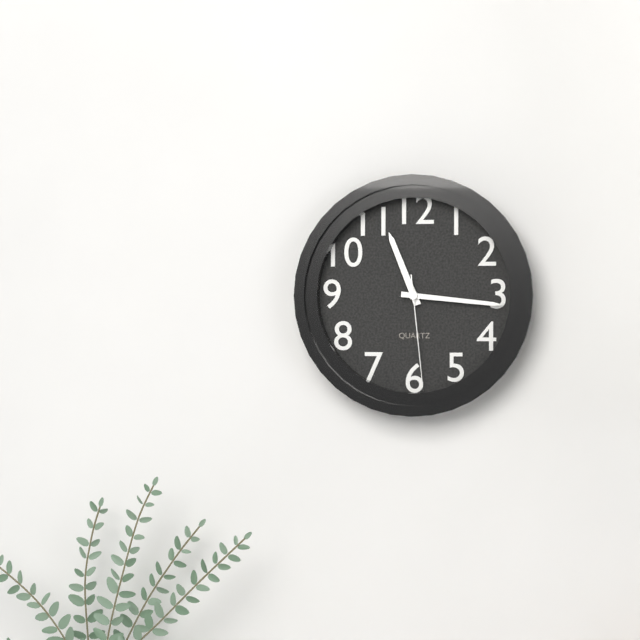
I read 11.16.29
